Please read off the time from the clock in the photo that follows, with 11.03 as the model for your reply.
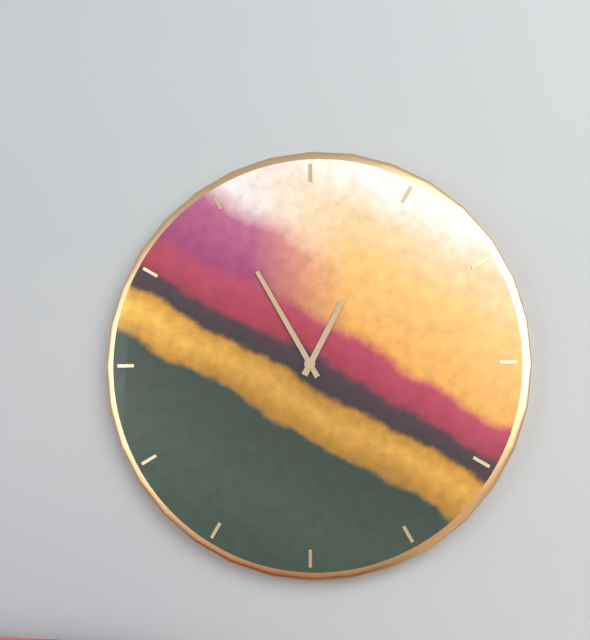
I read 12.55
